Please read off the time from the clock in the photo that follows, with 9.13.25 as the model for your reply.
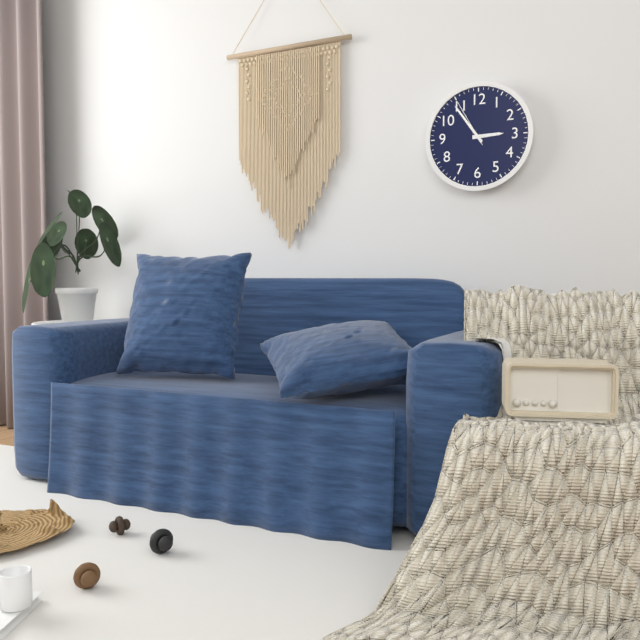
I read 2.54.55
